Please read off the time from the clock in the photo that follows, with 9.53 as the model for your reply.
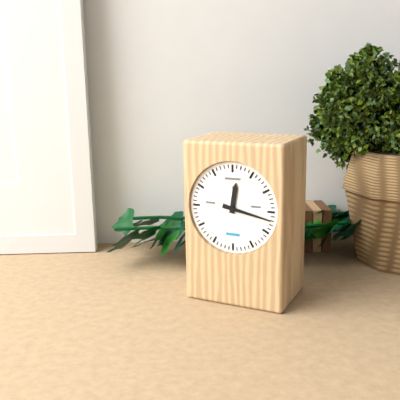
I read 12.17
